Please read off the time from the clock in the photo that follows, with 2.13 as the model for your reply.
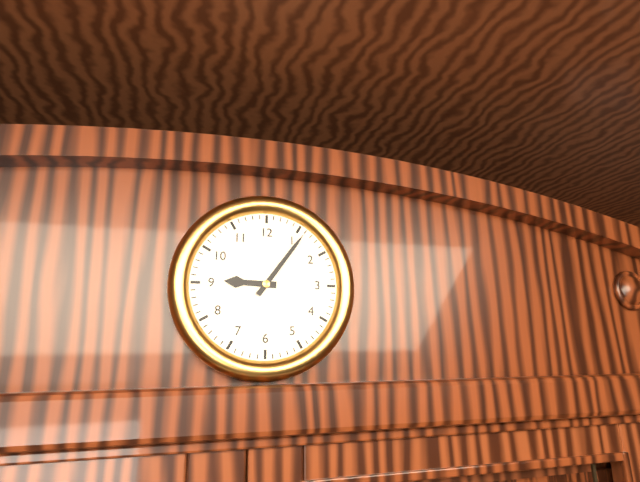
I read 9.06
